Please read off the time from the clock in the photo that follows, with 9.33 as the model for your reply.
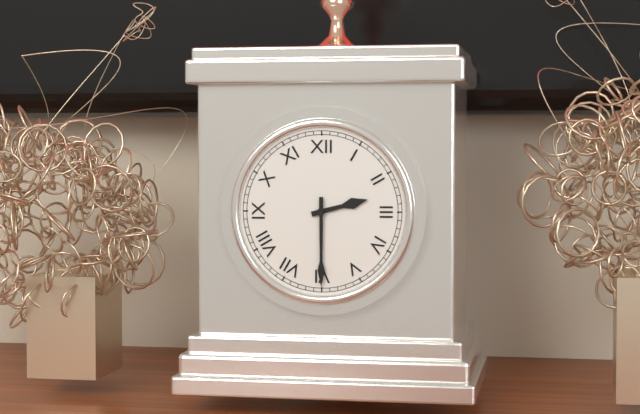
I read 2.30
